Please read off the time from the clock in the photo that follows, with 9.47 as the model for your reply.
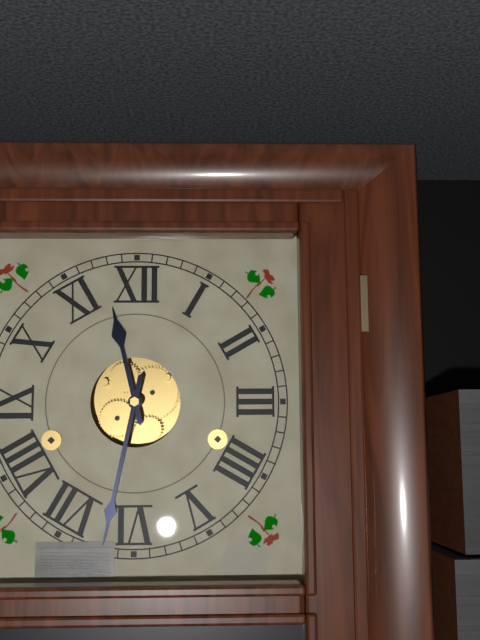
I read 11.32
